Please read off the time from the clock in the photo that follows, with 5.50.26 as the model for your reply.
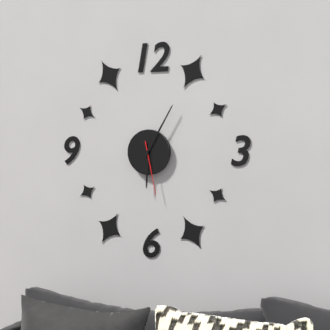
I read 6.05.28
